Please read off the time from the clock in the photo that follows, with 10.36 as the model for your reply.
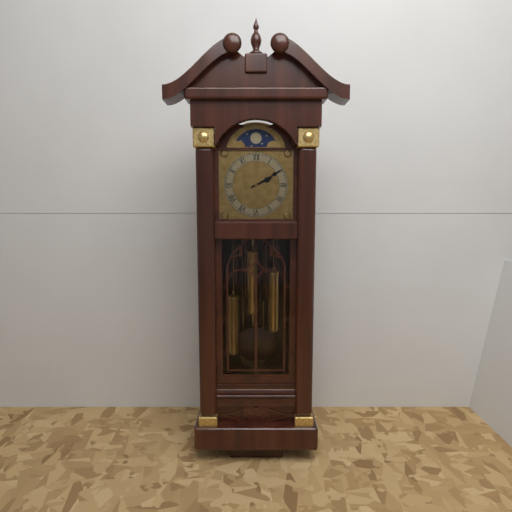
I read 2.10
